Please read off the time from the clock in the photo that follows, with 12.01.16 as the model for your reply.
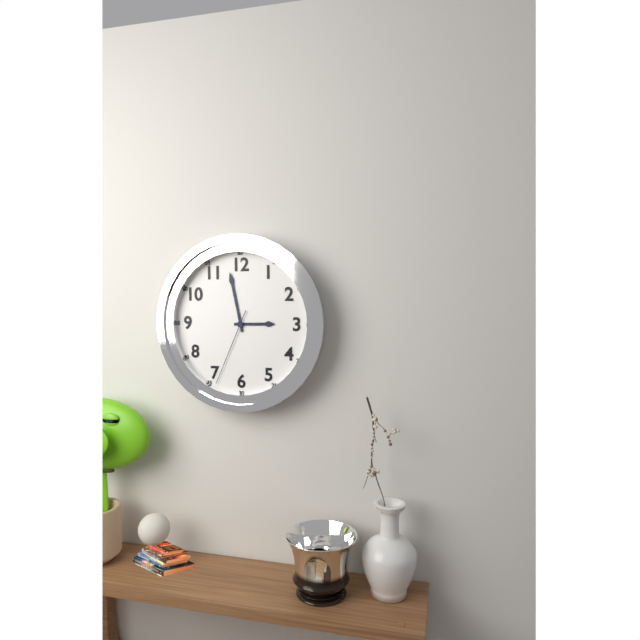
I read 2.58.34
